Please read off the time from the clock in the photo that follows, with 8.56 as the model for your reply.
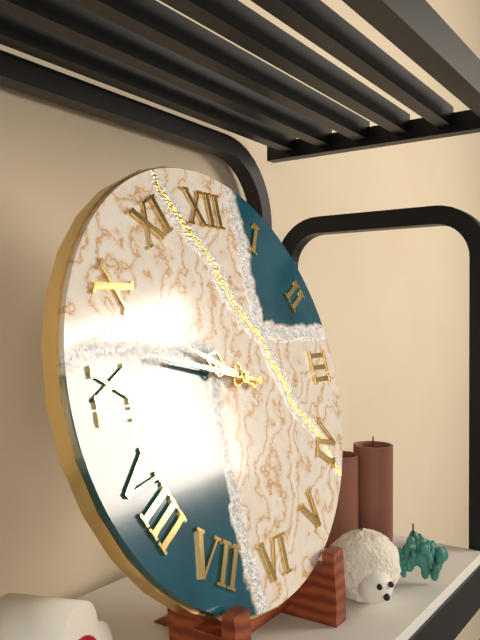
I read 9.47
